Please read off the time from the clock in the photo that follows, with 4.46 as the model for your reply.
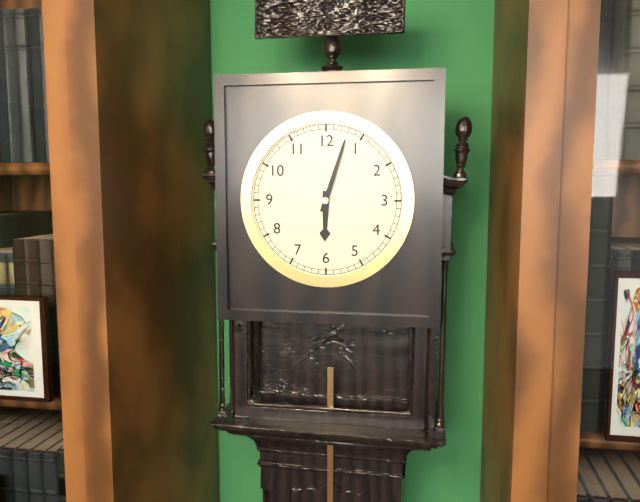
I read 6.03
